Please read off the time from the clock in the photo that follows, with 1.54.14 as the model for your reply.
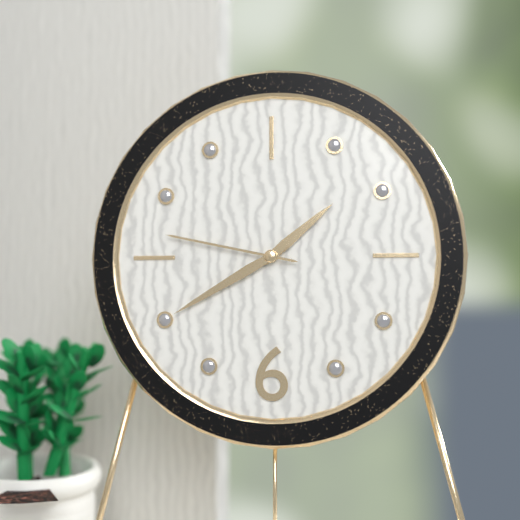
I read 1.40.47
